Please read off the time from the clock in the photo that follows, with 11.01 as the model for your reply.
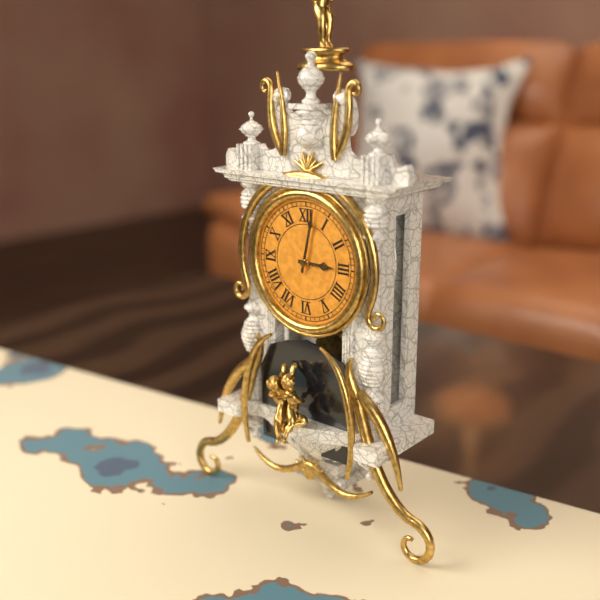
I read 3.02
